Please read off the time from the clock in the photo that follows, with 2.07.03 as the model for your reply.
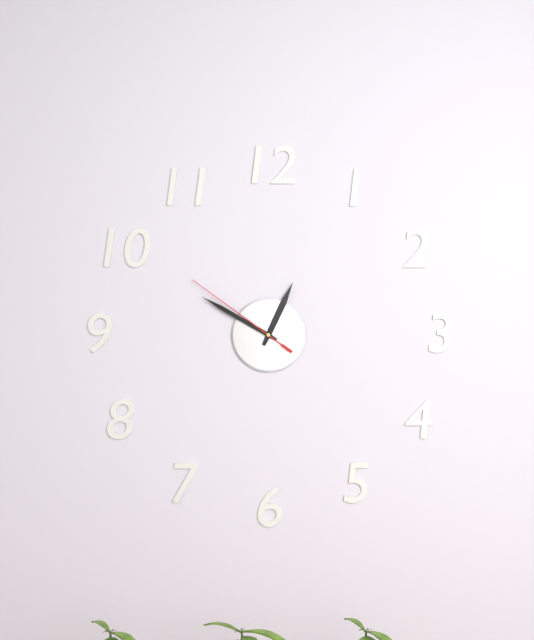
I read 12.50.51
